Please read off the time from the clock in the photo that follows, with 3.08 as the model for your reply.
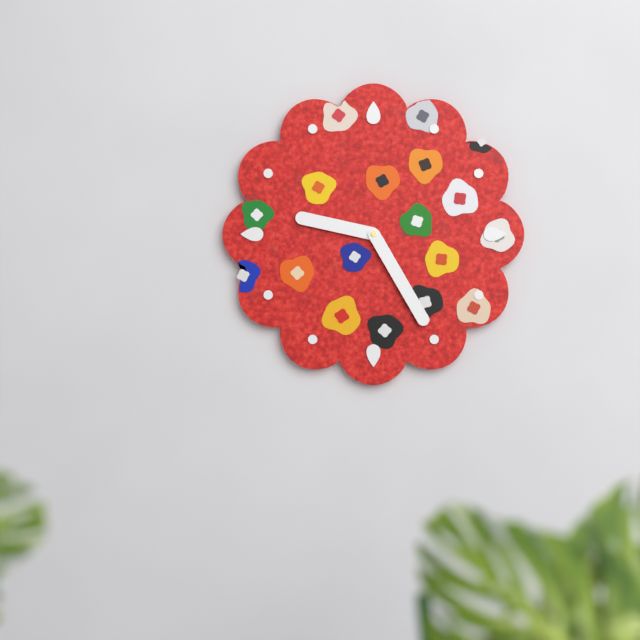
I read 9.25
